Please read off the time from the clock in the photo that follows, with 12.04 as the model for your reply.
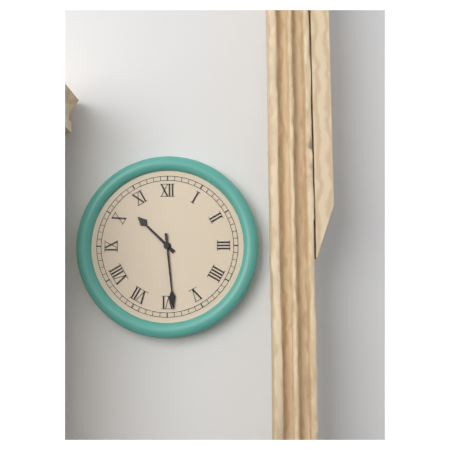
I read 10.29
